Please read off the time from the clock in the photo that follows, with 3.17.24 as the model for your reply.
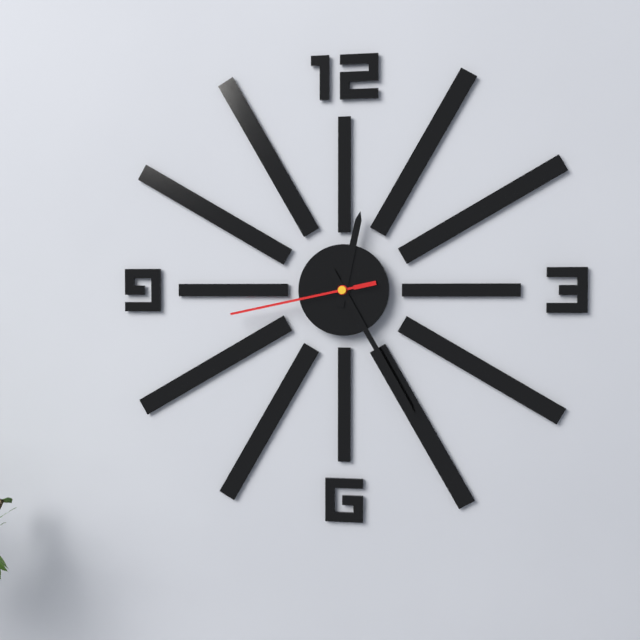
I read 12.25.43
